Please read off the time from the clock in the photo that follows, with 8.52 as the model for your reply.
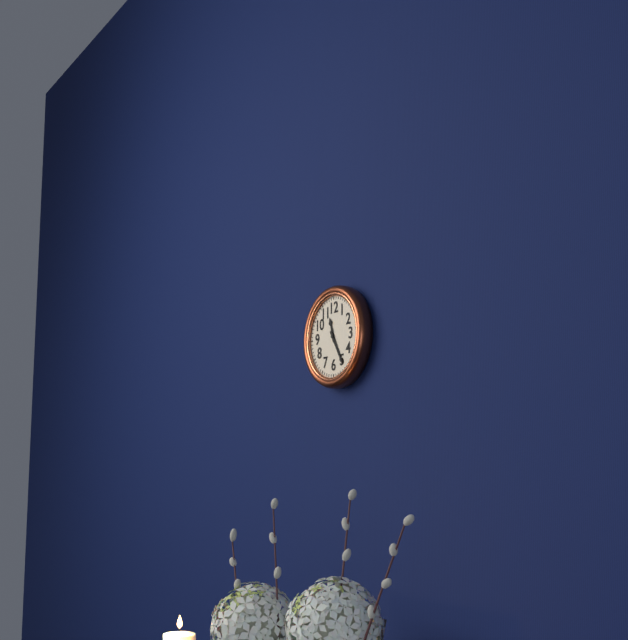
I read 11.25
